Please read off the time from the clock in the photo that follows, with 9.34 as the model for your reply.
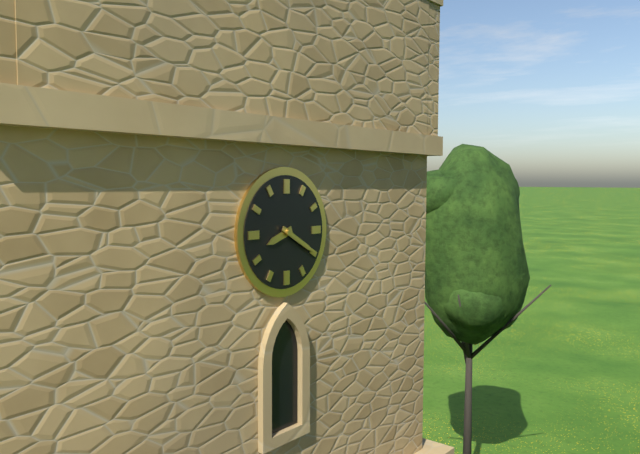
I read 8.20
